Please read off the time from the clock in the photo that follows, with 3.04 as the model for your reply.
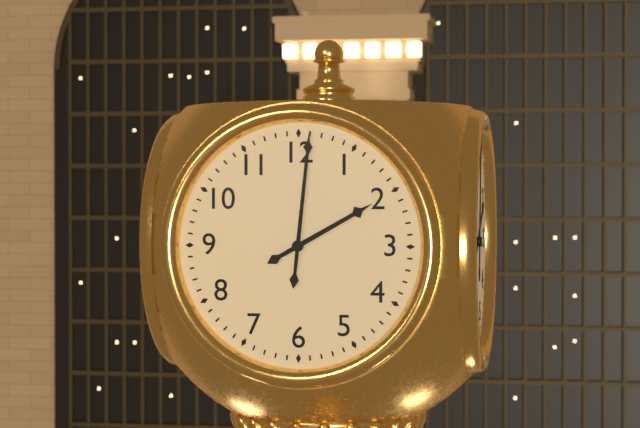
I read 2.01
